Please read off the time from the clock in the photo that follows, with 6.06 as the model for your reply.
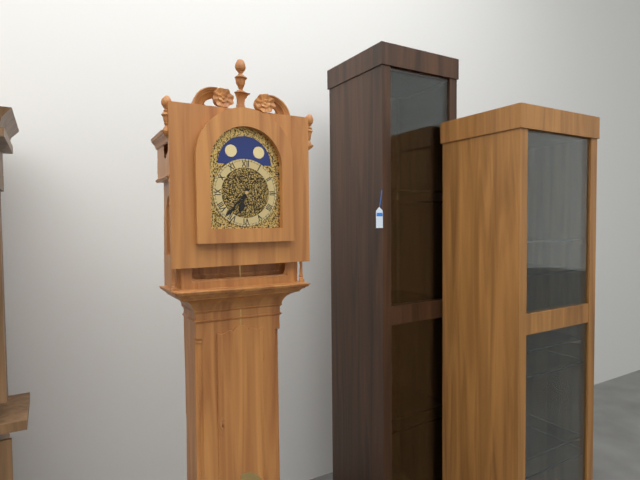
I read 6.37
